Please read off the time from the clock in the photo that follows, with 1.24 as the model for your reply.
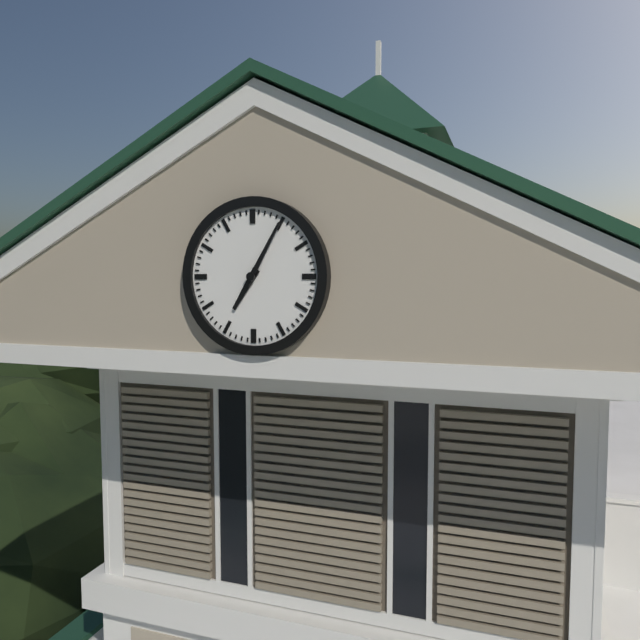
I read 7.05
